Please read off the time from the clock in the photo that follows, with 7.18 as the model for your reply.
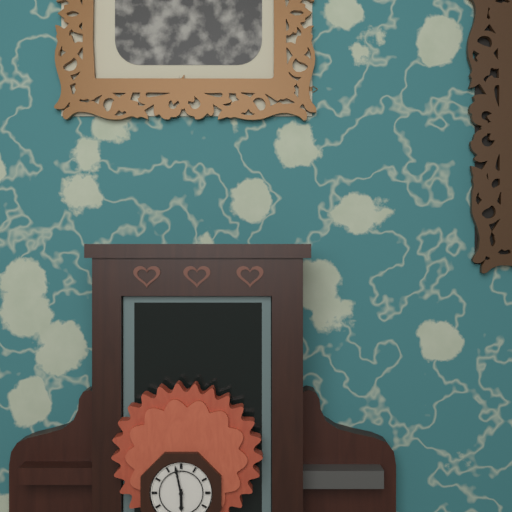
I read 5.58
